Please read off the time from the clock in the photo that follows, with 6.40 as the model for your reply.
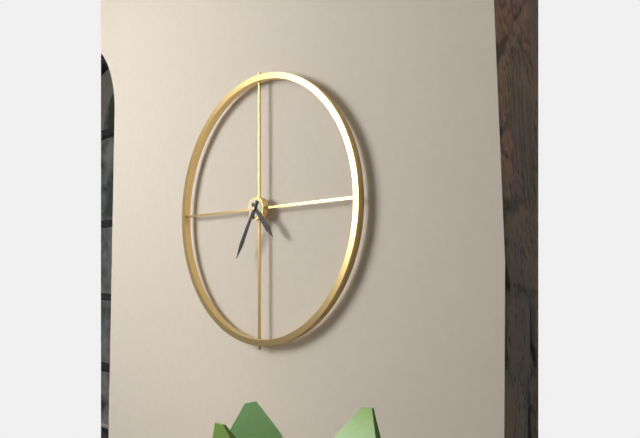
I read 4.35
